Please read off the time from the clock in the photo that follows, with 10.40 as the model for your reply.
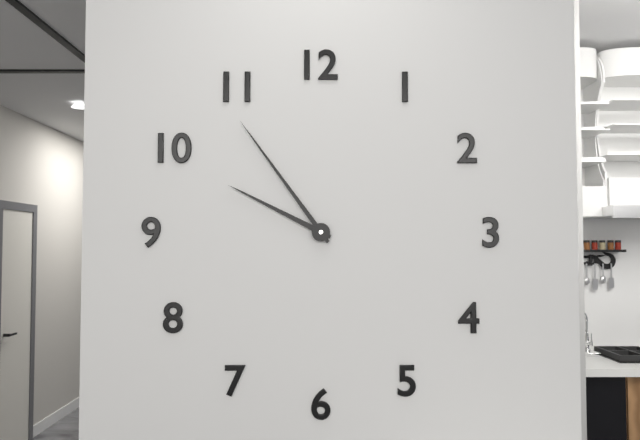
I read 9.54
